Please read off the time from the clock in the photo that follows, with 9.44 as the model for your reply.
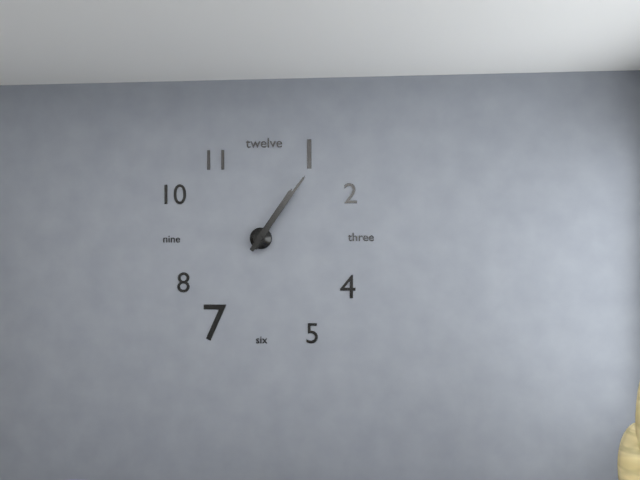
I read 1.06
